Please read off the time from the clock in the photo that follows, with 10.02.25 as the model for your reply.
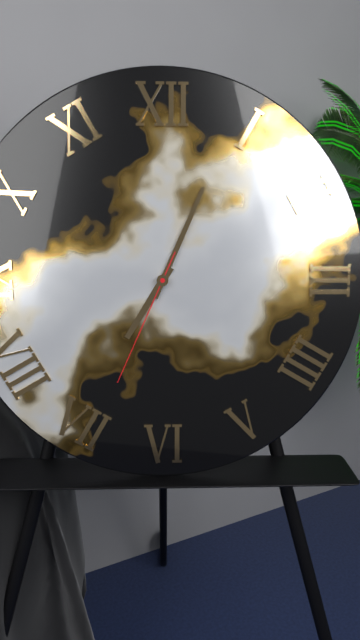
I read 7.04.34
